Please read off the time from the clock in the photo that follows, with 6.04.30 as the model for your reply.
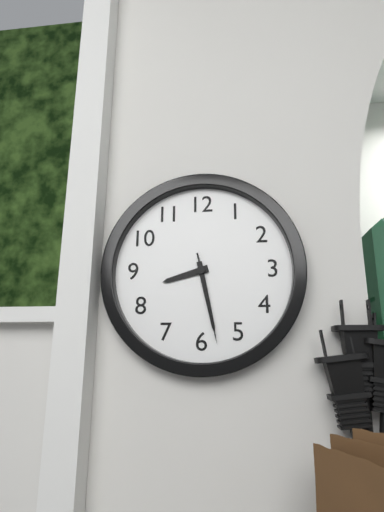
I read 8.28.28
